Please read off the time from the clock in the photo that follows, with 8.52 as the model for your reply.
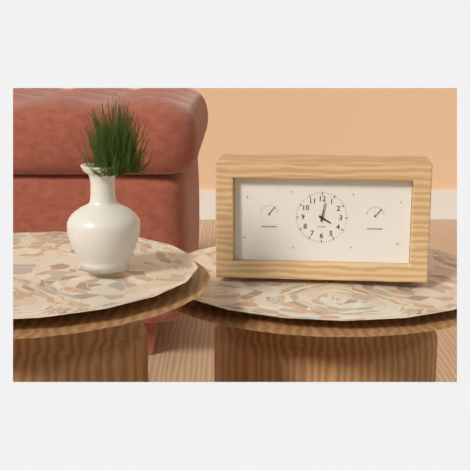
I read 4.02
